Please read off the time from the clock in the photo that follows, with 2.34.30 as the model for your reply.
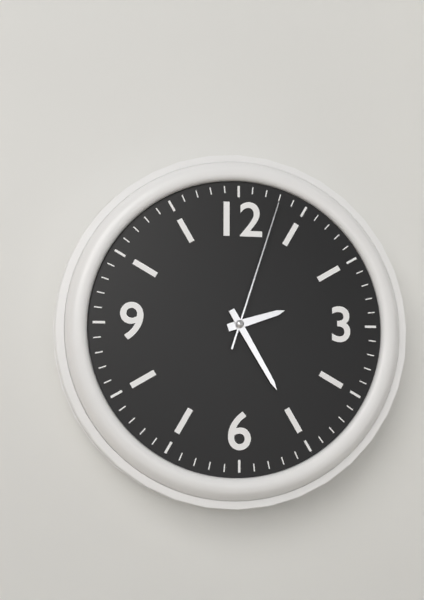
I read 2.25.03
